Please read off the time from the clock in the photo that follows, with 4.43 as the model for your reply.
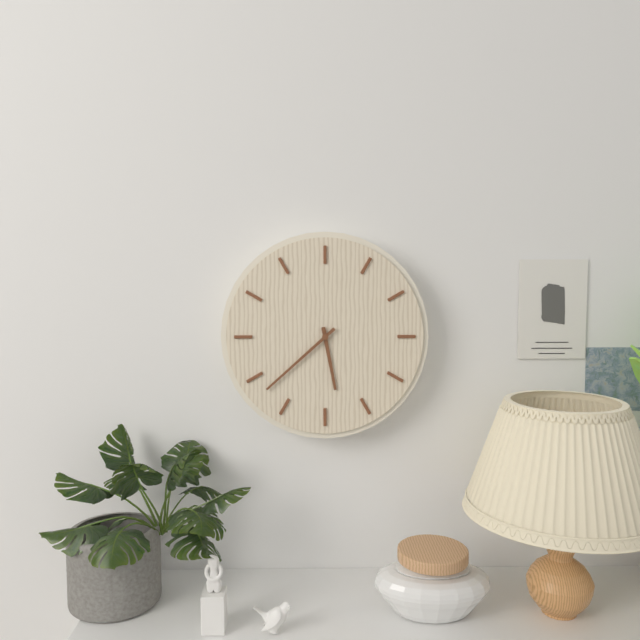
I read 5.38
